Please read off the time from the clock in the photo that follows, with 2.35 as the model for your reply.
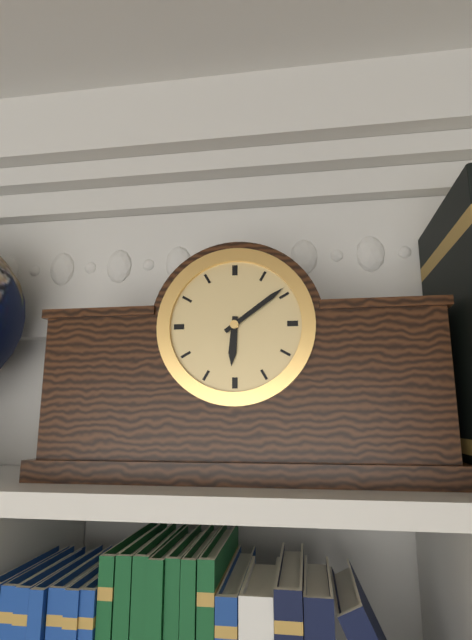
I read 6.09
